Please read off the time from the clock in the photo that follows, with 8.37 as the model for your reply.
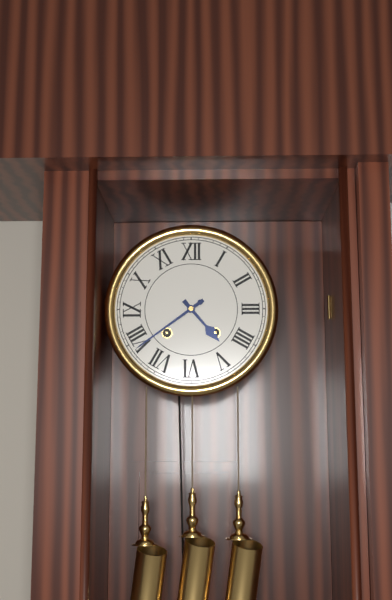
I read 4.39
